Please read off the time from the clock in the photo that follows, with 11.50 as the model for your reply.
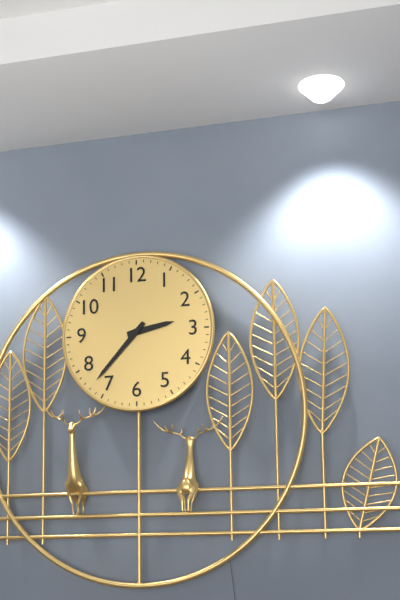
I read 2.37
